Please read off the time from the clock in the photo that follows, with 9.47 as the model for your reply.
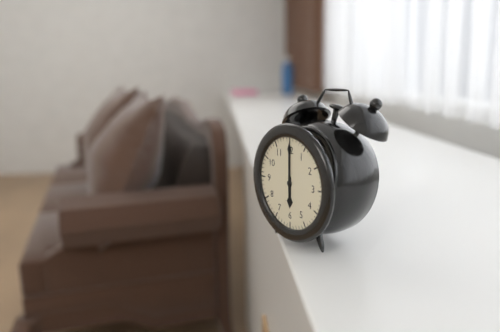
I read 6.00
